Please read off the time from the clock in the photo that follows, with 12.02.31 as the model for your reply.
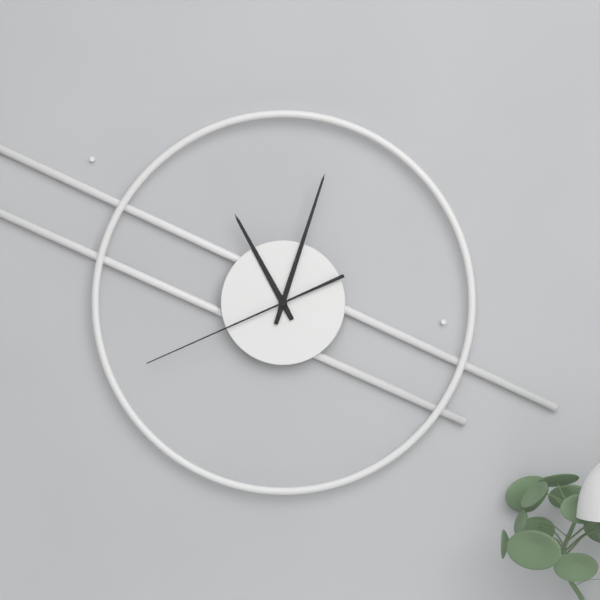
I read 11.03.41
